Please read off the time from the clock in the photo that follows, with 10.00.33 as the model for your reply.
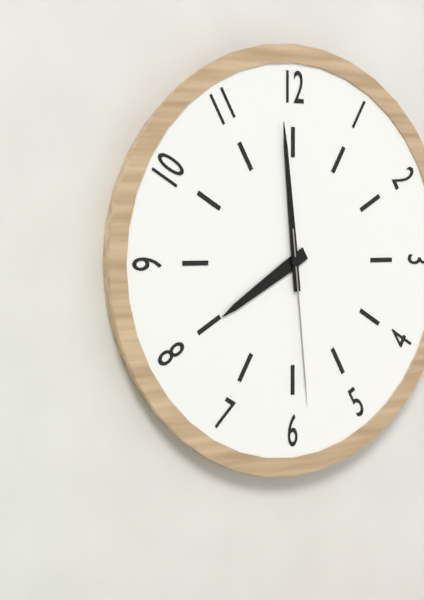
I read 7.59.29
